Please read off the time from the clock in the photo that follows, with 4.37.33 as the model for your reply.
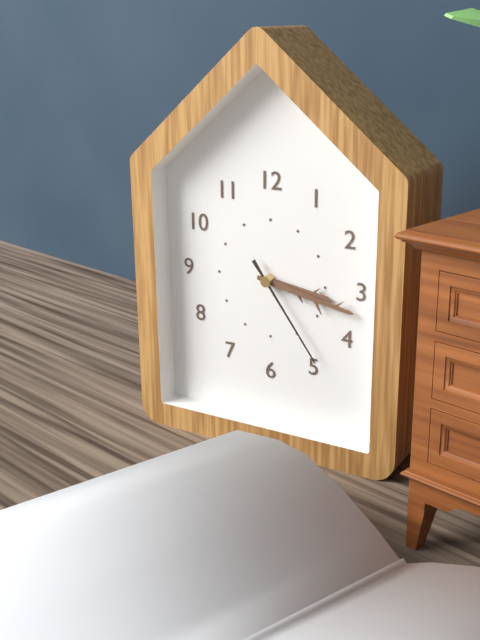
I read 3.17.24
